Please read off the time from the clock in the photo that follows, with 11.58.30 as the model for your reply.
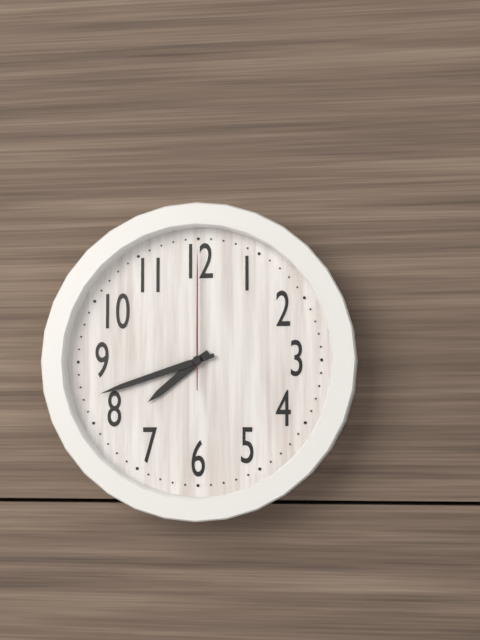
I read 7.42.00
